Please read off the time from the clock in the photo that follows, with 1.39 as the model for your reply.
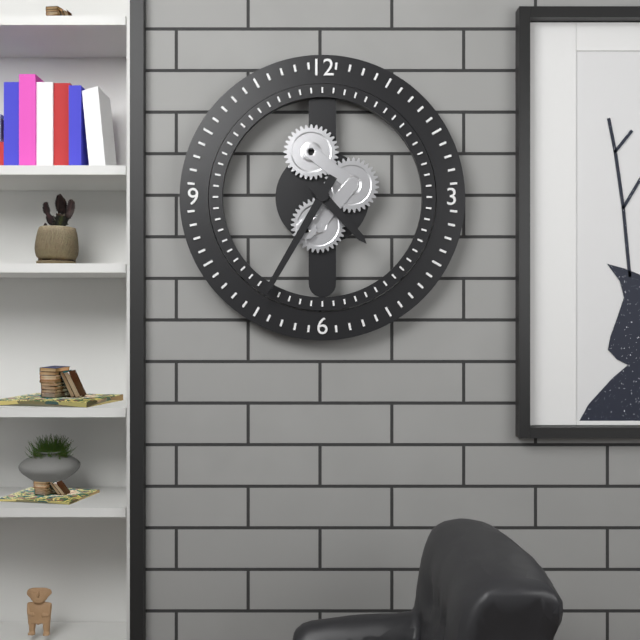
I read 4.35
